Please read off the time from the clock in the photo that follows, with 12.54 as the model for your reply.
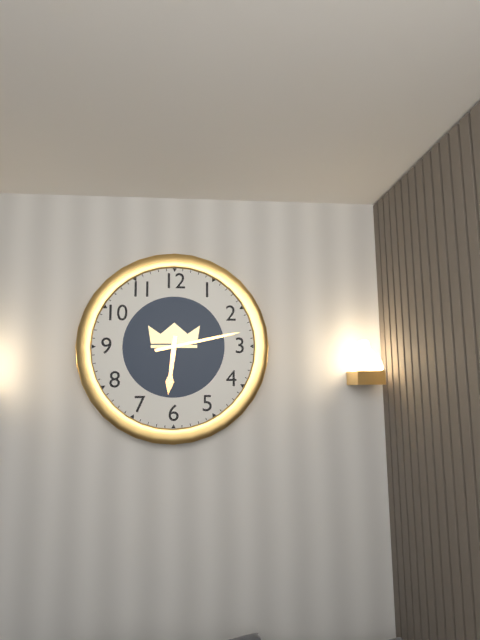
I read 6.13
